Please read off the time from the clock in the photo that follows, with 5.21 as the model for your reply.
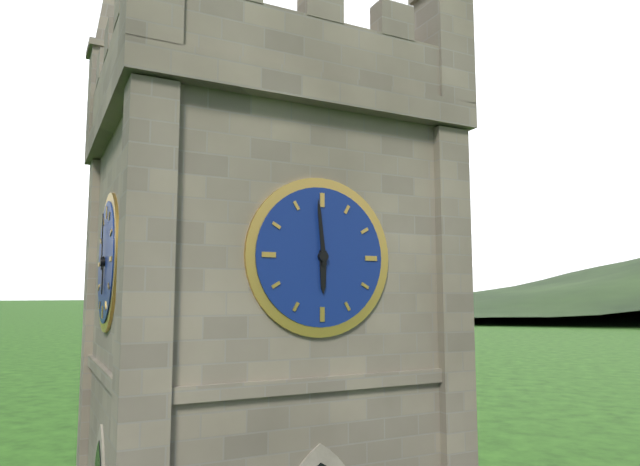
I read 5.59
